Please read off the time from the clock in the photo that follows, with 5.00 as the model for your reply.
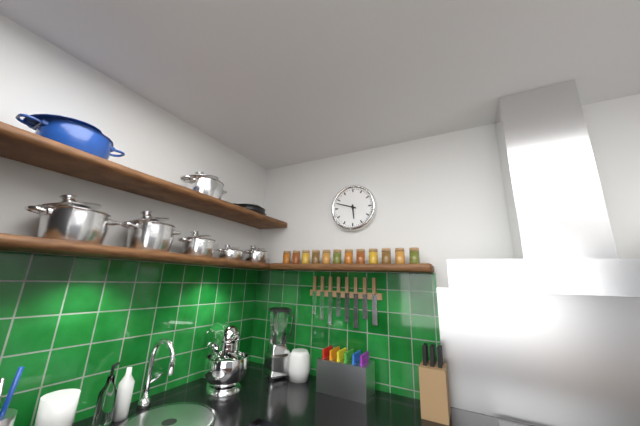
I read 5.48
